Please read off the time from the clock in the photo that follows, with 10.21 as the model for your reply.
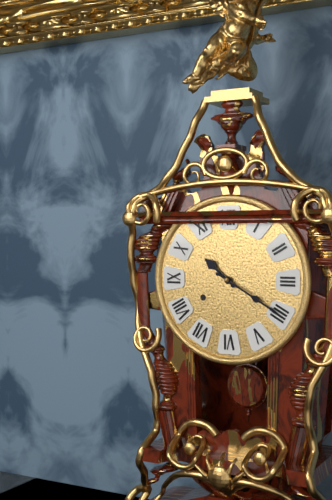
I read 10.20
